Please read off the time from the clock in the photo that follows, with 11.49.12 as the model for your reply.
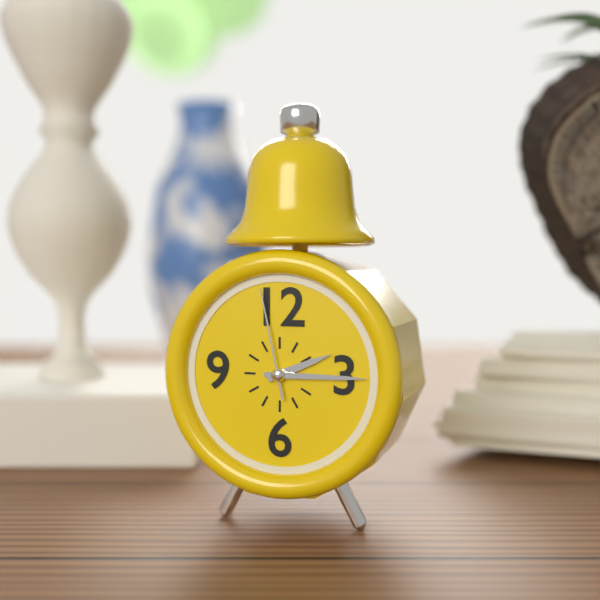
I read 2.15.58
